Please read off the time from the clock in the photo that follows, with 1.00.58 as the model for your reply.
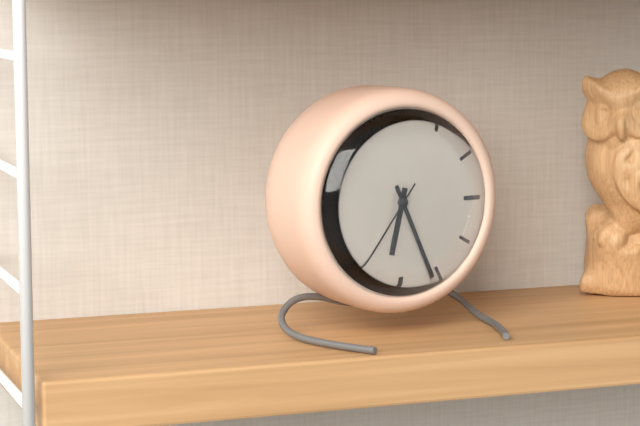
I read 6.26.36
